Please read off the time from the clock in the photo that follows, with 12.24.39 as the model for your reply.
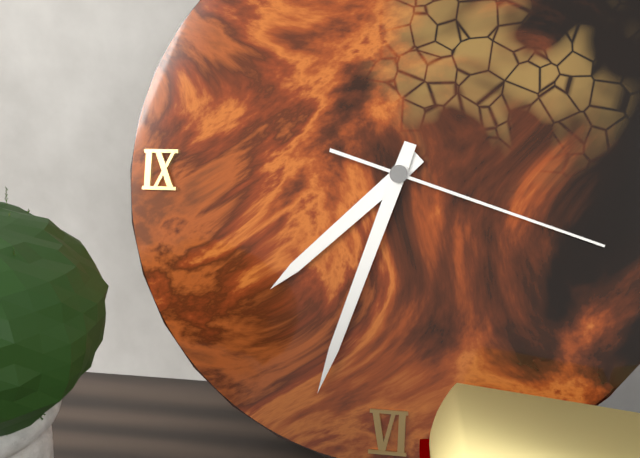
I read 7.33.18
